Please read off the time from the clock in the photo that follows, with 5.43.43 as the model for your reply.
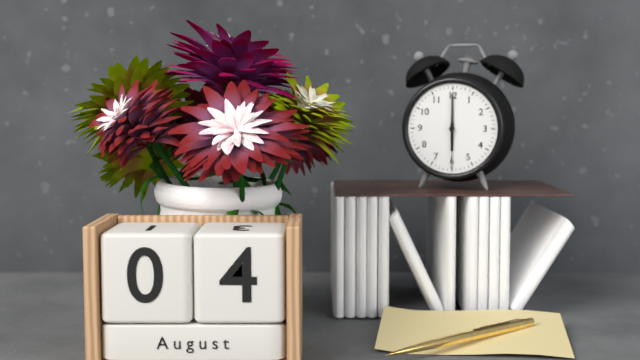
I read 6.00.30
